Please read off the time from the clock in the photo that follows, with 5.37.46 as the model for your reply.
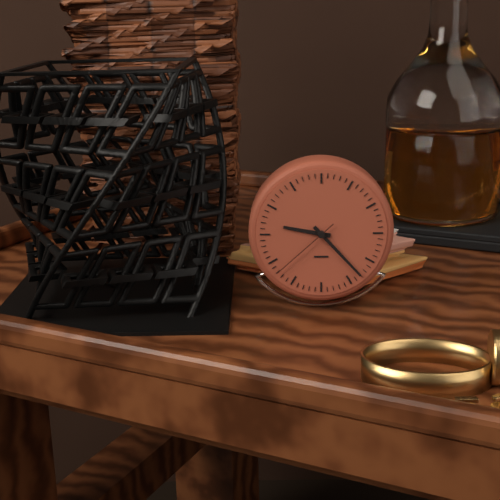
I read 9.23.38
